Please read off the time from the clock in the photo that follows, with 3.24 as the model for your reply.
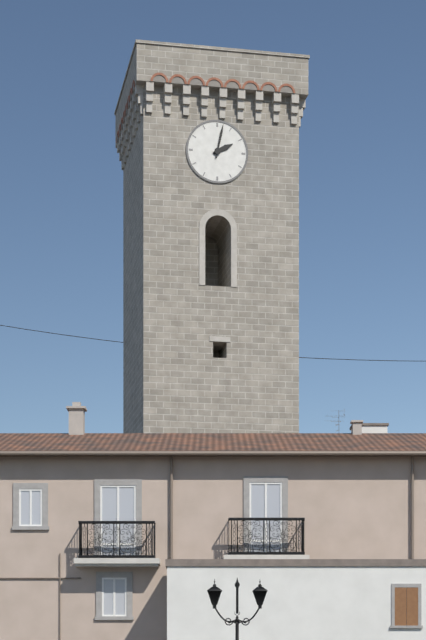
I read 2.02
